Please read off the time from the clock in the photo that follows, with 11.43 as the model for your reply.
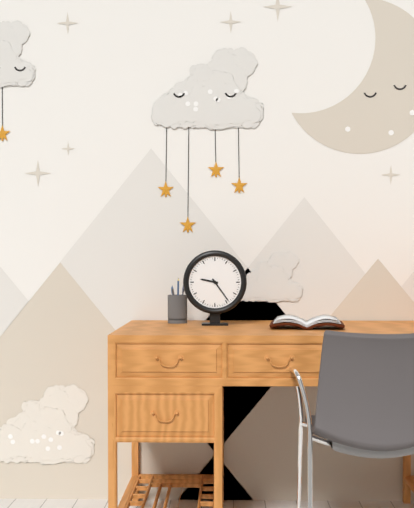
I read 9.24
